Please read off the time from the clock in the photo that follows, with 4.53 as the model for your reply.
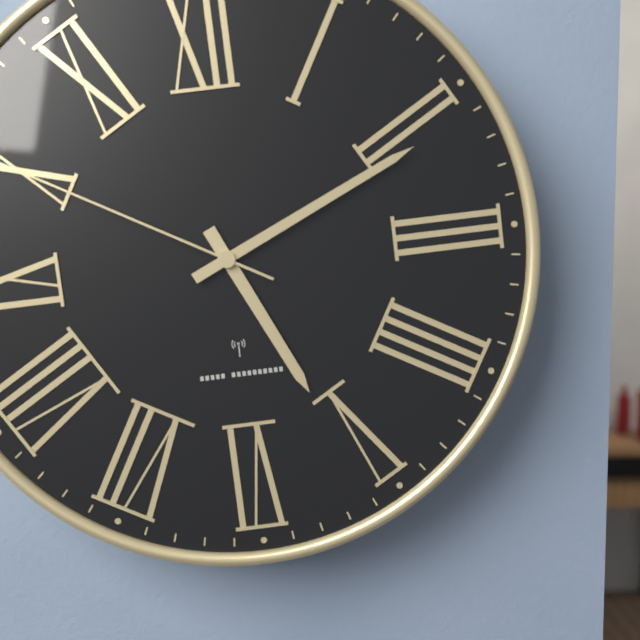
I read 5.11
